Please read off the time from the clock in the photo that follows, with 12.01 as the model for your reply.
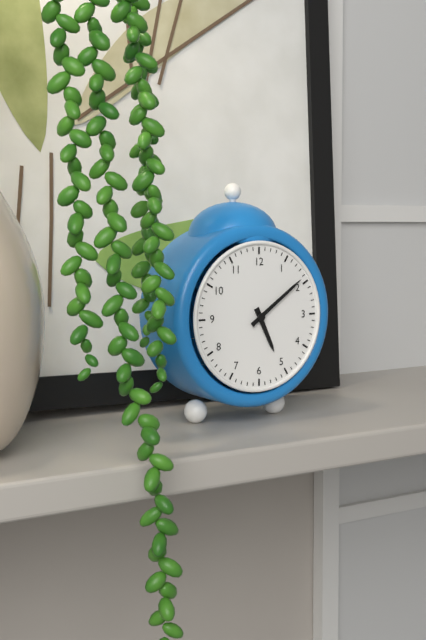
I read 5.09
